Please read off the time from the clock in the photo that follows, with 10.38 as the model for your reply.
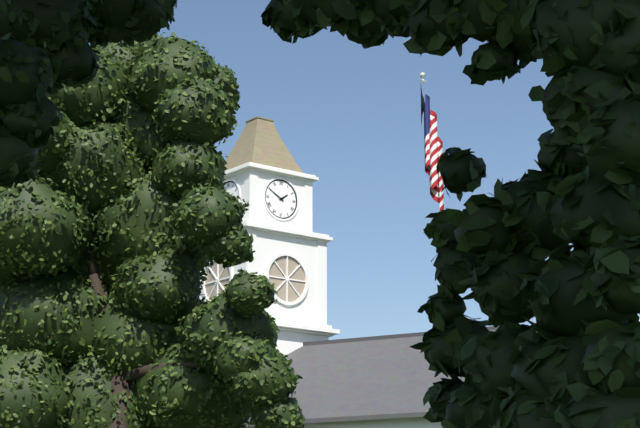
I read 1.50
